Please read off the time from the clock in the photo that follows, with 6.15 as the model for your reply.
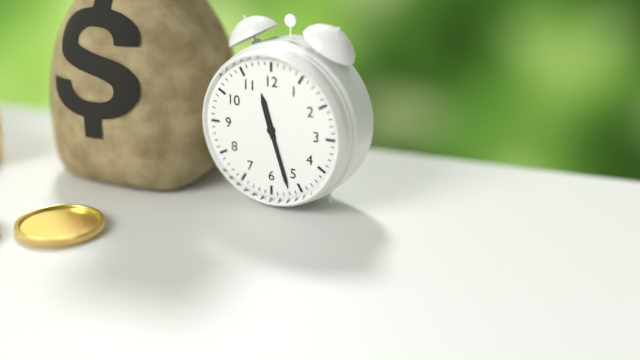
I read 11.27
